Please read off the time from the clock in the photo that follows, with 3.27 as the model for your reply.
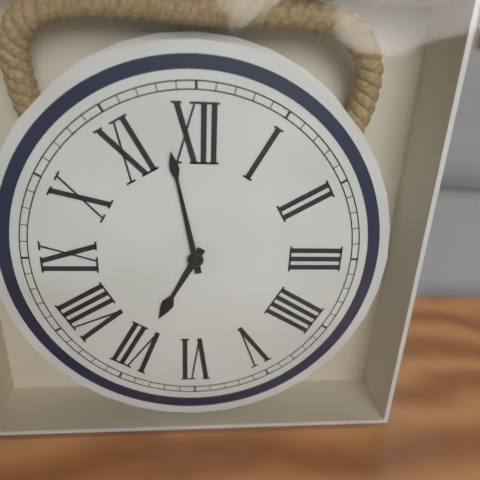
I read 6.58
